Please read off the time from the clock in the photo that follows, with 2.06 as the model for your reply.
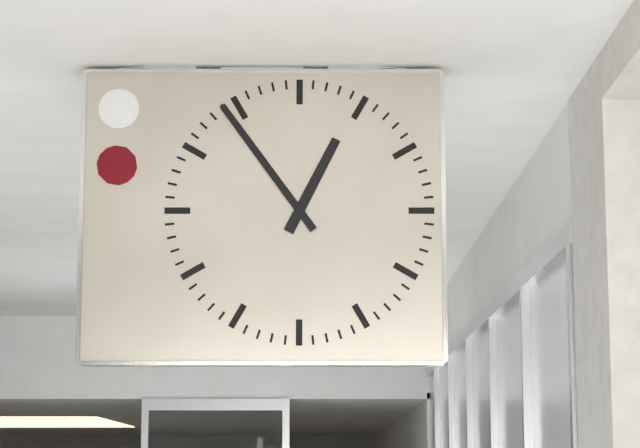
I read 12.54
